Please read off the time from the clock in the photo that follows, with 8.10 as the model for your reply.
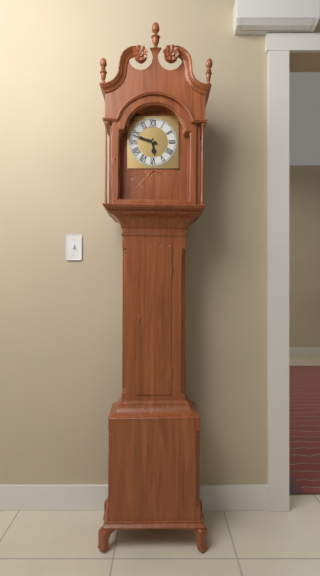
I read 5.48
